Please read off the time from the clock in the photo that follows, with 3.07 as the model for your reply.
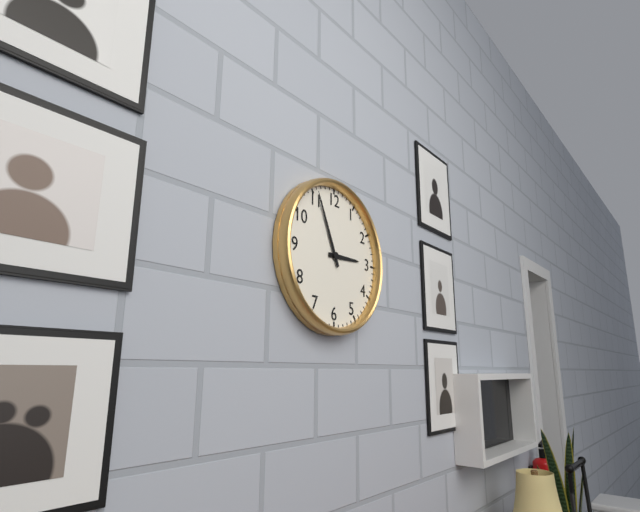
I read 2.56
